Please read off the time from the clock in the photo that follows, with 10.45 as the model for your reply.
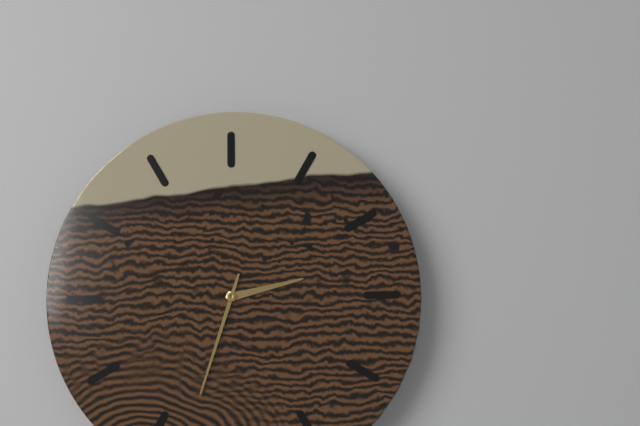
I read 2.33
